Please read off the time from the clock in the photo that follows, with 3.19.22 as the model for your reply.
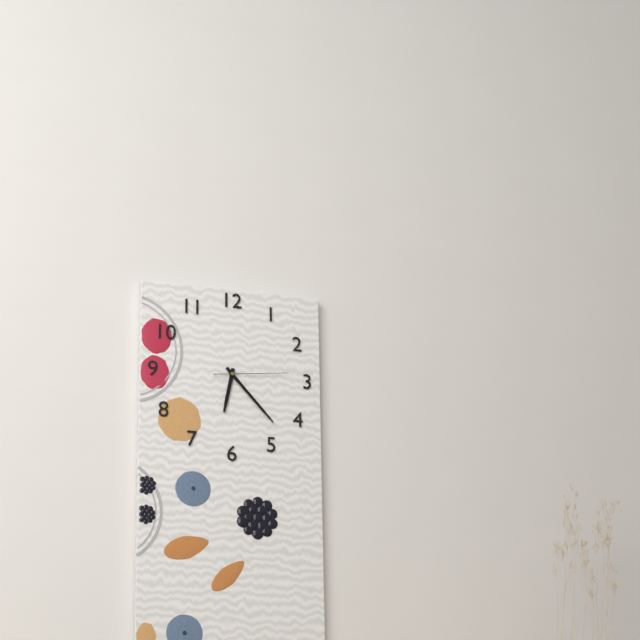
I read 6.23.14
